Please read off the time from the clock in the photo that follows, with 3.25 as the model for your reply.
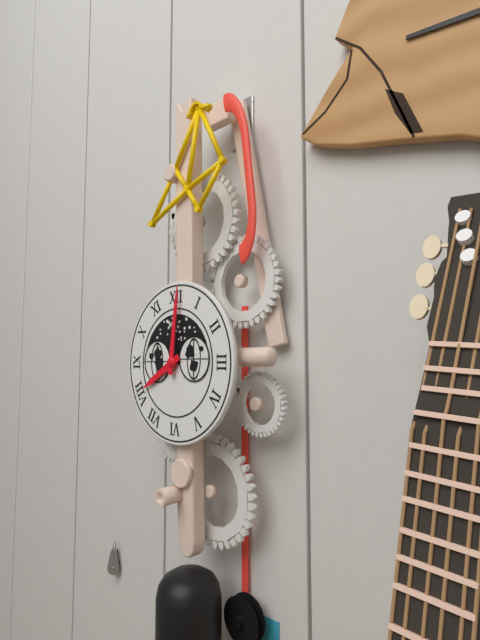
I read 8.01
